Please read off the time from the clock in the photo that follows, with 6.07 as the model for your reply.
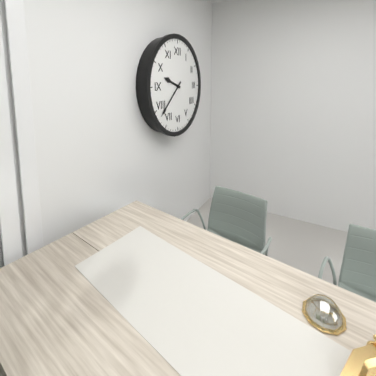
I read 9.38
